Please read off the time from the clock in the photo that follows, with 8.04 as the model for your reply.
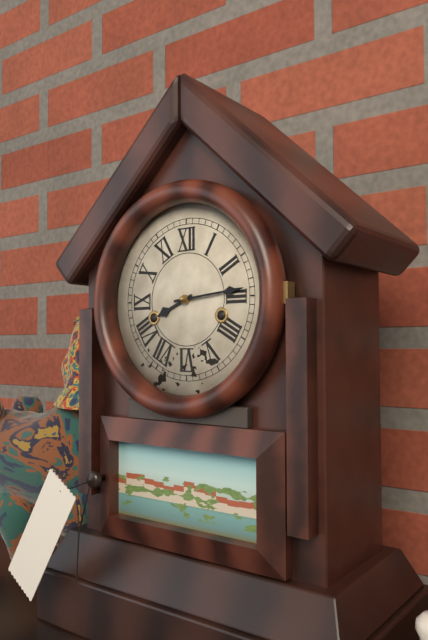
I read 8.14
